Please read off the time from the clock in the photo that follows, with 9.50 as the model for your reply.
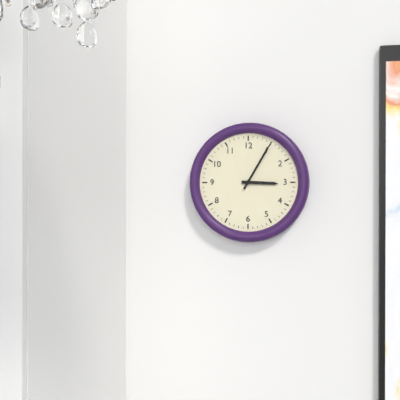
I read 3.05
